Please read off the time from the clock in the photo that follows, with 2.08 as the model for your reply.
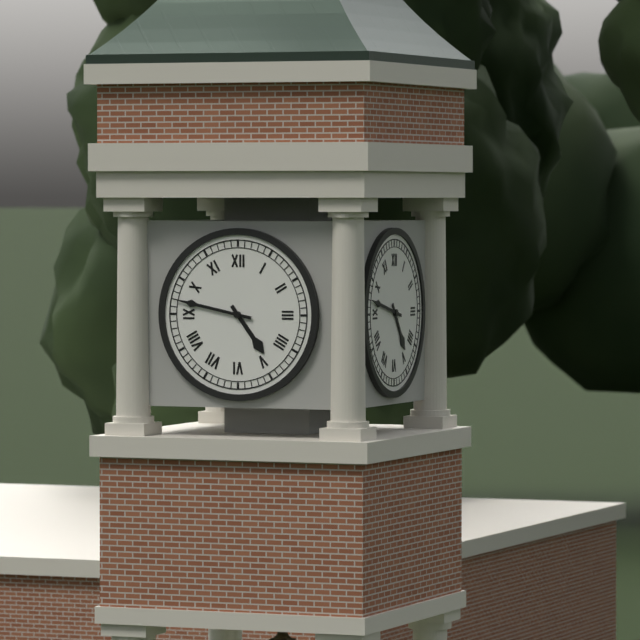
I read 4.47
